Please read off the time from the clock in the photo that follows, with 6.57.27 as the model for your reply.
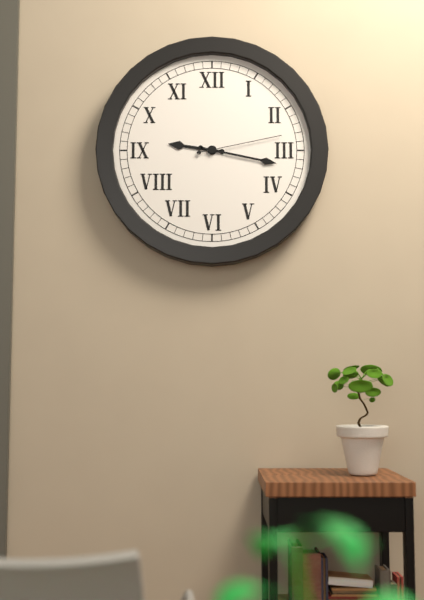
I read 9.17.13
